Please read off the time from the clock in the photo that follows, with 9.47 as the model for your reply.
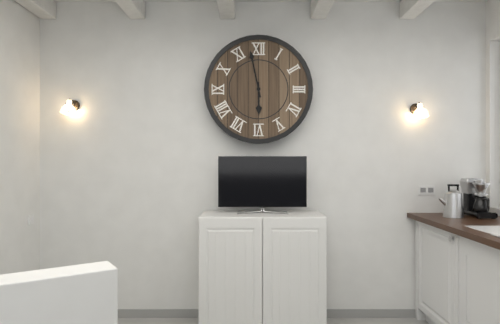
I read 5.58
